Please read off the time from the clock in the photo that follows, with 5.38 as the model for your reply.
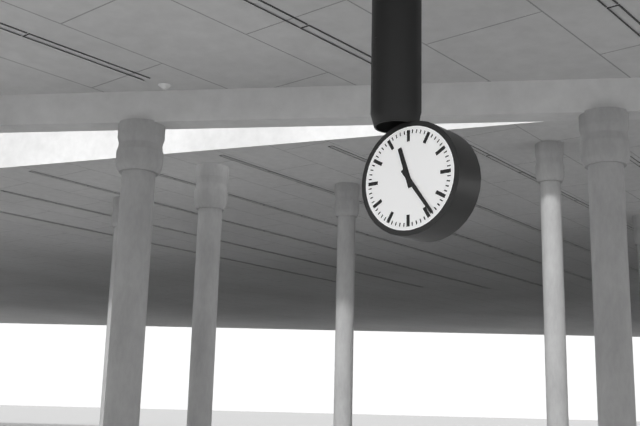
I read 11.24
